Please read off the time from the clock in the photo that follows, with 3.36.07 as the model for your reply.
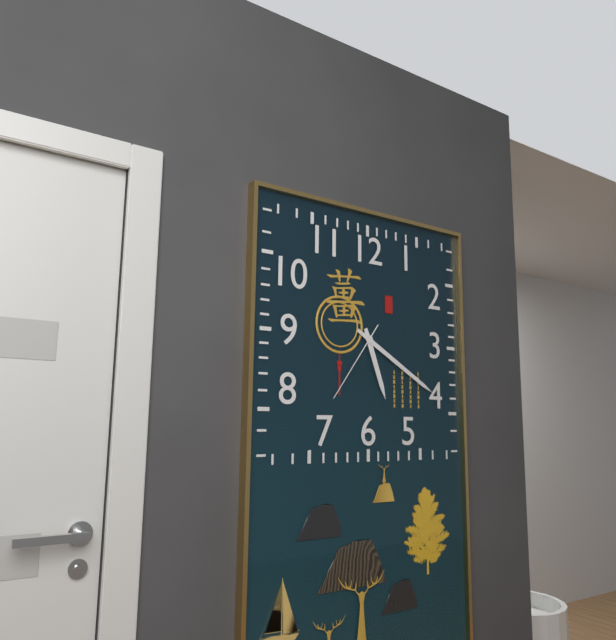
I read 5.20.36
